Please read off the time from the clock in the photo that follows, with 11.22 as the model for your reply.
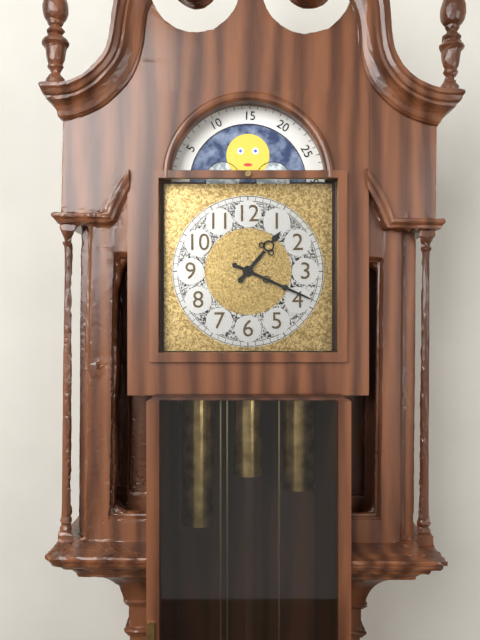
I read 1.19
